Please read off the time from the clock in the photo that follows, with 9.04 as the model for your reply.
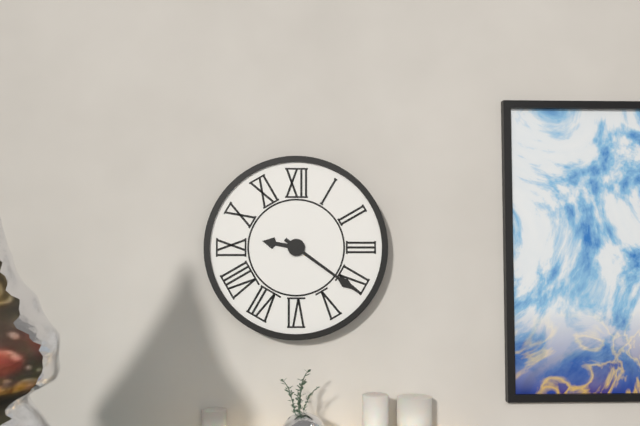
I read 9.21
